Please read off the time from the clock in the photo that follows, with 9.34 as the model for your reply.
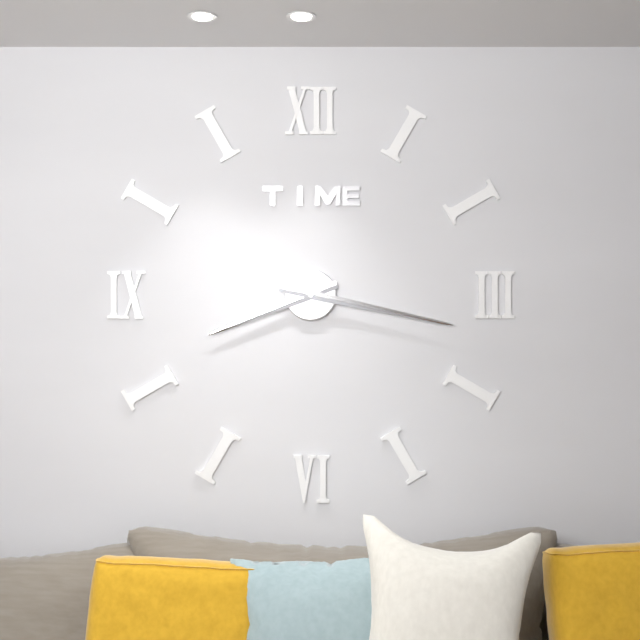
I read 8.17
